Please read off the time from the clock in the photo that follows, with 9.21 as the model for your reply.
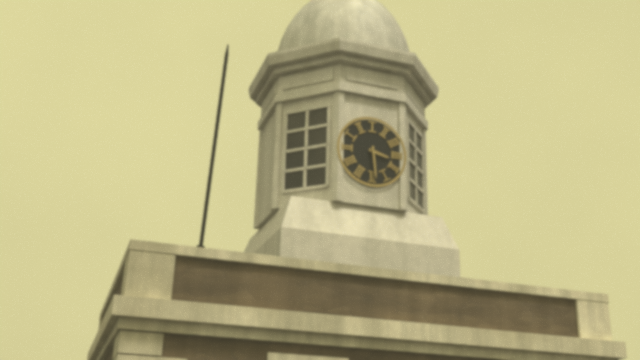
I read 3.29
